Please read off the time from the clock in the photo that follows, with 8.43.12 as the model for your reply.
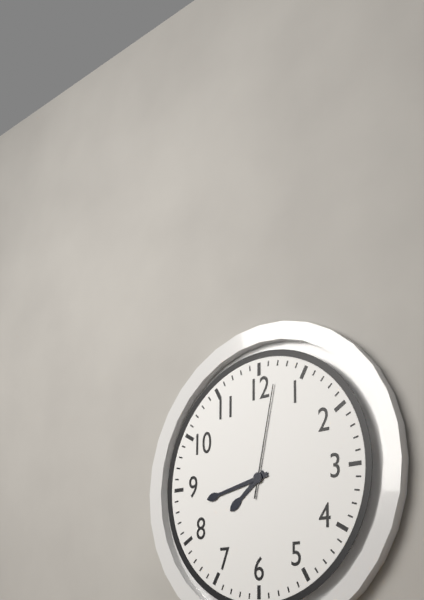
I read 7.43.02
